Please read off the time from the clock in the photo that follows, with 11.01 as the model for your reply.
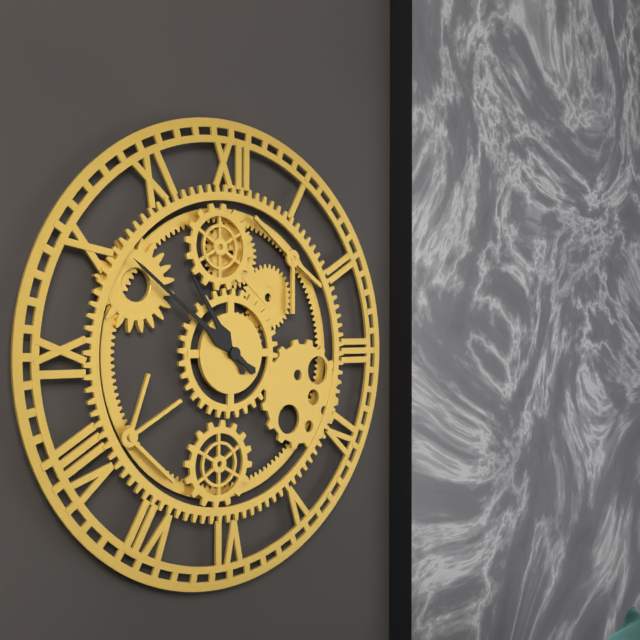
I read 10.51
